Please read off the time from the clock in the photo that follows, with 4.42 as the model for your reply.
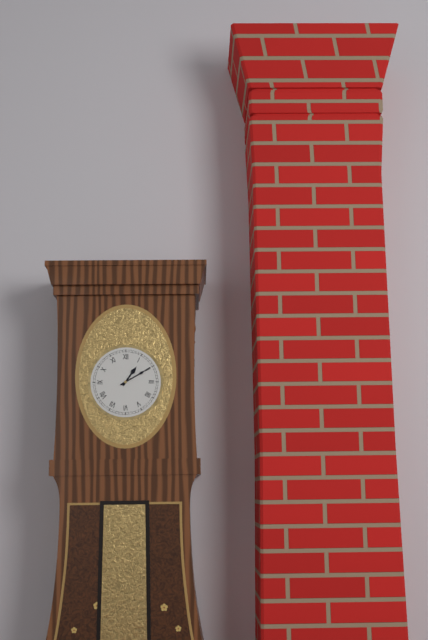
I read 1.10
